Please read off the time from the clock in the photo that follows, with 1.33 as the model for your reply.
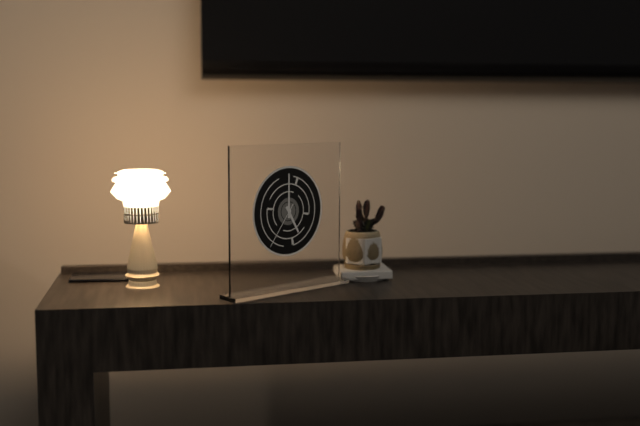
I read 5.00
